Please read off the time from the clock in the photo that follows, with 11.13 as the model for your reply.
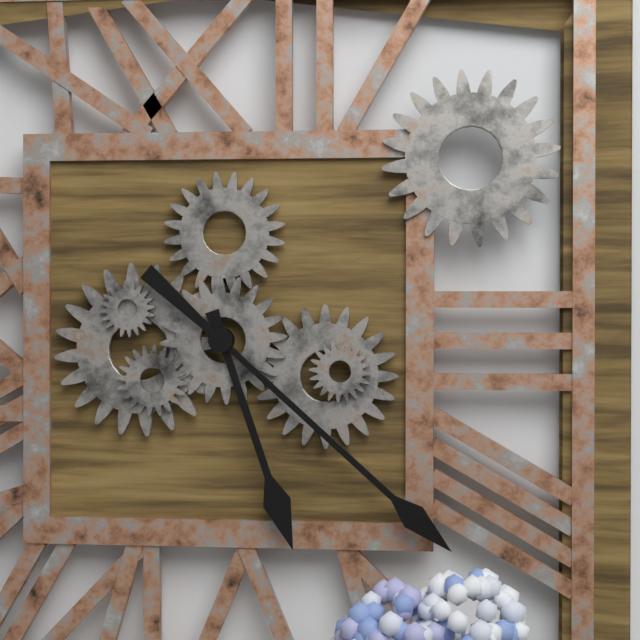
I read 5.22
